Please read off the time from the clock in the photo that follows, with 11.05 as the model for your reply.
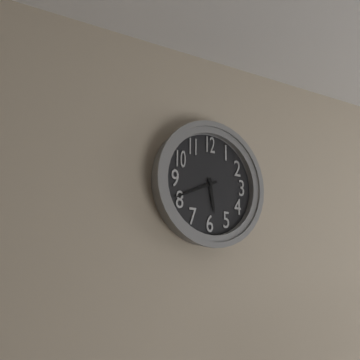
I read 5.41
